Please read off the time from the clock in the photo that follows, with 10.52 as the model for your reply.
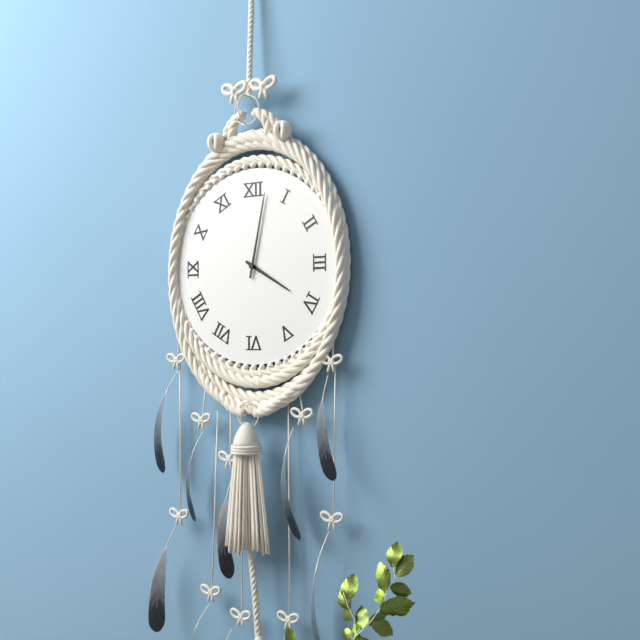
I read 4.02
